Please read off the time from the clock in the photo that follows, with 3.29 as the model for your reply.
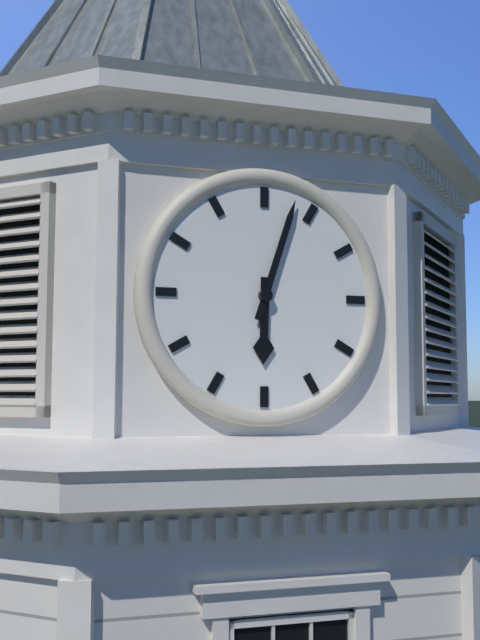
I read 6.03
